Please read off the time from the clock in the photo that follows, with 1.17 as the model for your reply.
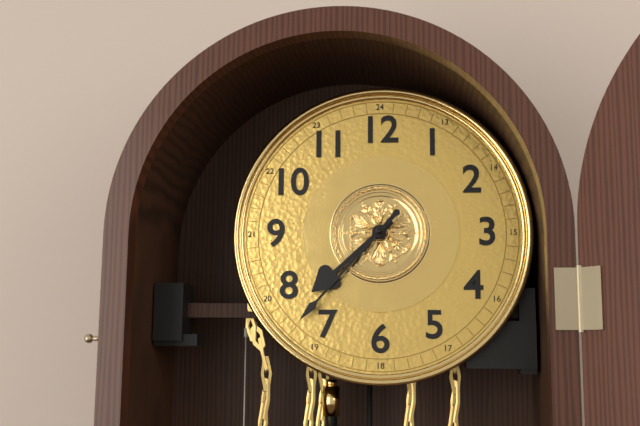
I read 7.37
